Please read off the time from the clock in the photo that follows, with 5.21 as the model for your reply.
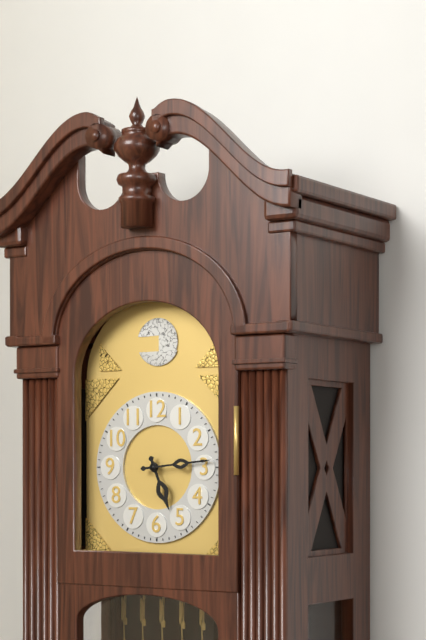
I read 5.14
